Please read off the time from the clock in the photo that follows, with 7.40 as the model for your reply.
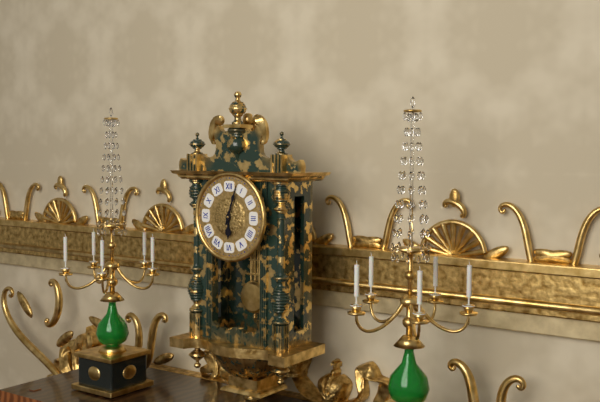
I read 6.03
